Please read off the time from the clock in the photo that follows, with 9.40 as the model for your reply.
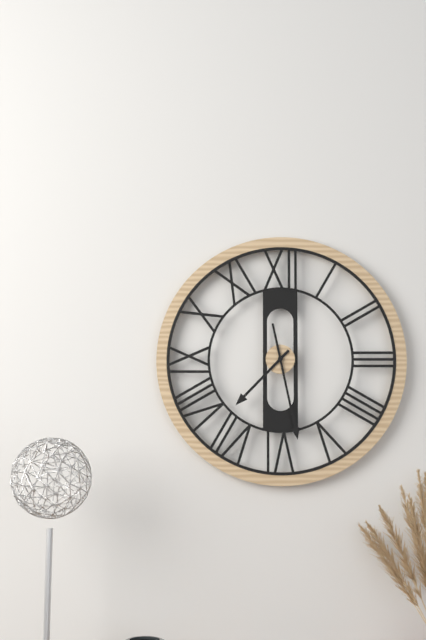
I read 7.28
